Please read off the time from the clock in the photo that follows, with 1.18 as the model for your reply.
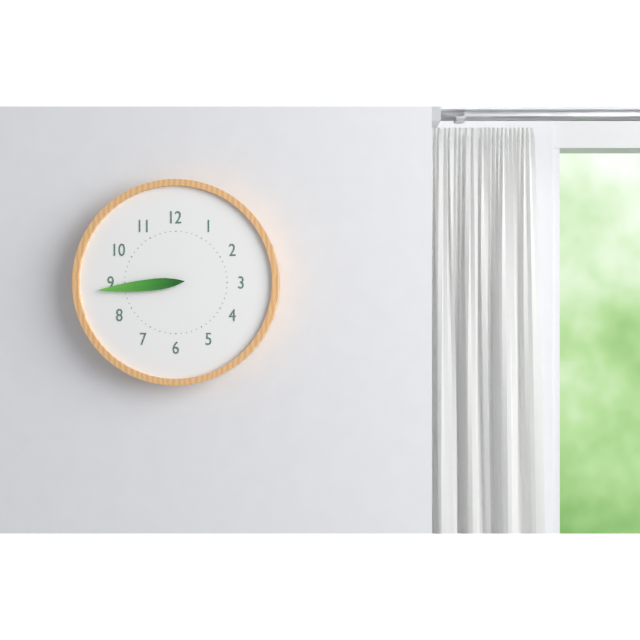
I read 8.44
